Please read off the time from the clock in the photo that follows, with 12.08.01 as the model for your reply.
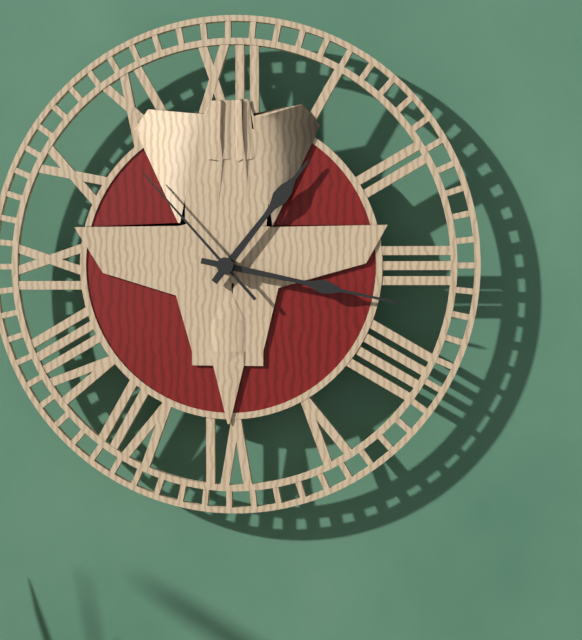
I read 1.17.53
